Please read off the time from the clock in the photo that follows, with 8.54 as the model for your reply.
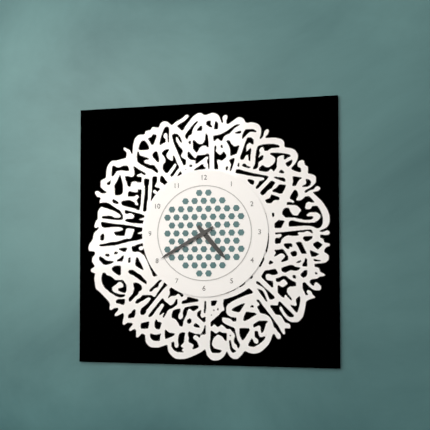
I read 4.40
